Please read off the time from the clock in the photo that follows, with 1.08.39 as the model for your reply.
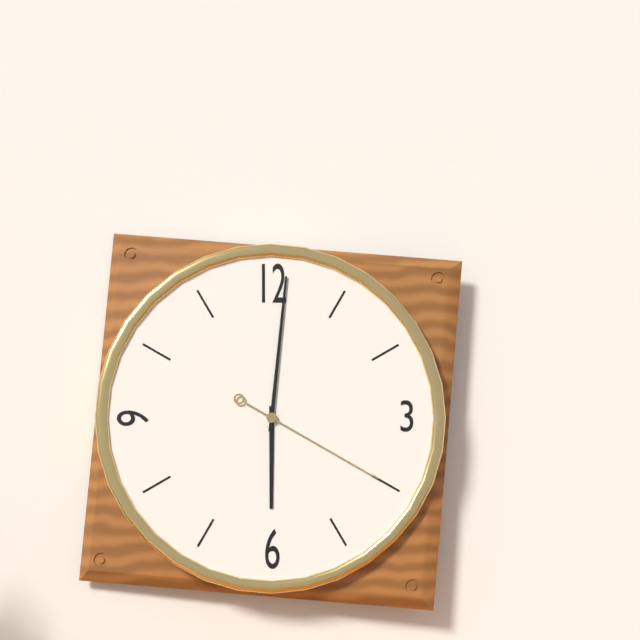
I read 6.01.20
